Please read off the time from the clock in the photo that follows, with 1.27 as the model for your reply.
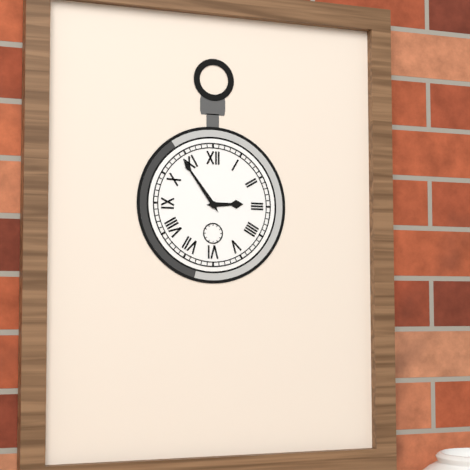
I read 2.54
